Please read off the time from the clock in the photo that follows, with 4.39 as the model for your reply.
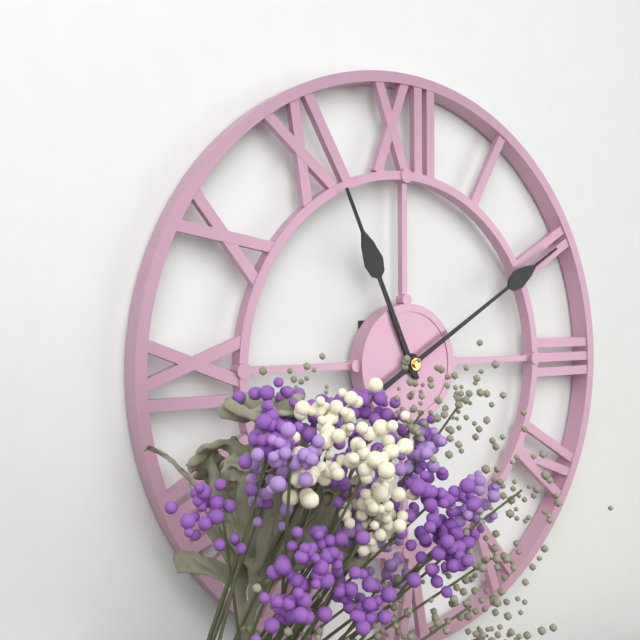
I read 11.10
